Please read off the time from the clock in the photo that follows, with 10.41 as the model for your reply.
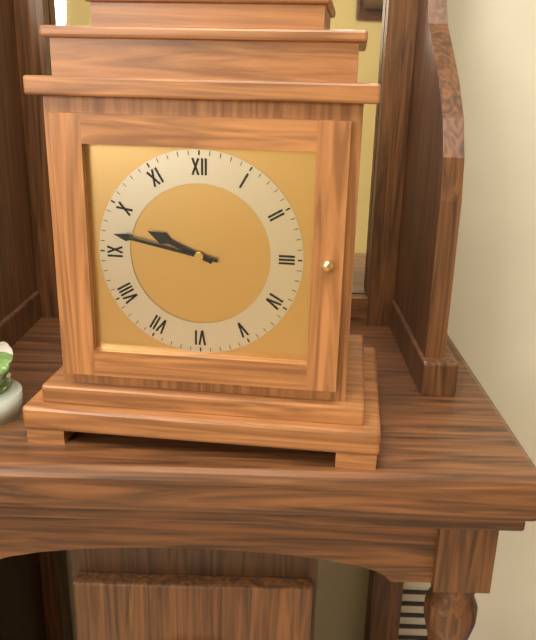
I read 9.47
